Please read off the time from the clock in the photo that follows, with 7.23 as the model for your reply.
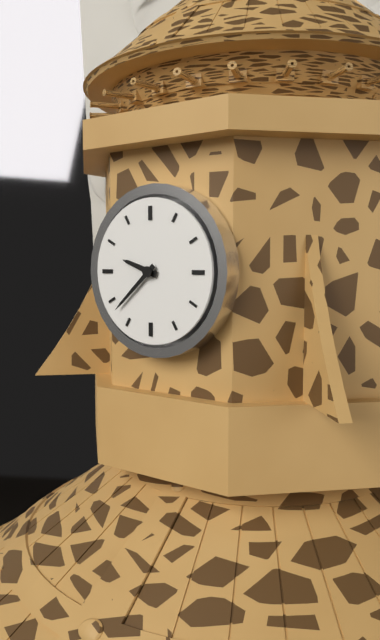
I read 9.38
